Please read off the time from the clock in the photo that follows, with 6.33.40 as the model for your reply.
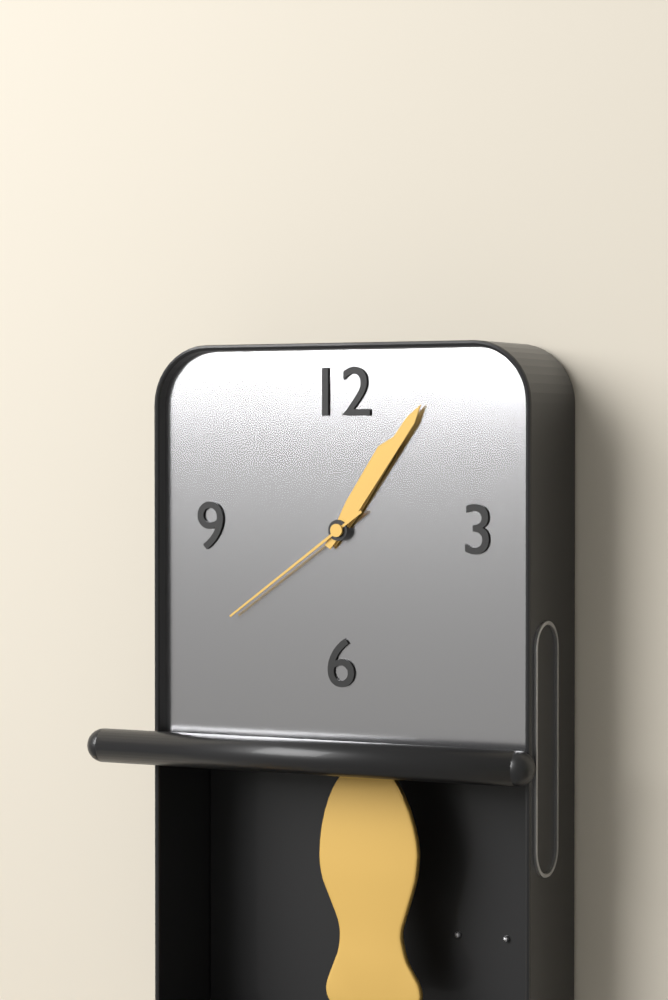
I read 1.06.39
